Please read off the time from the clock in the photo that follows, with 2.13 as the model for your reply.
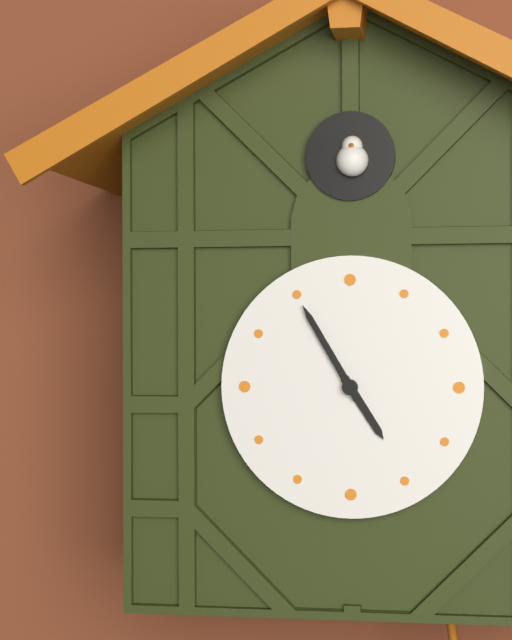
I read 4.55
